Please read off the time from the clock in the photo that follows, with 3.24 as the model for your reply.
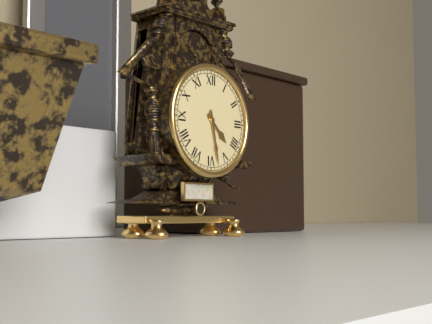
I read 4.28
